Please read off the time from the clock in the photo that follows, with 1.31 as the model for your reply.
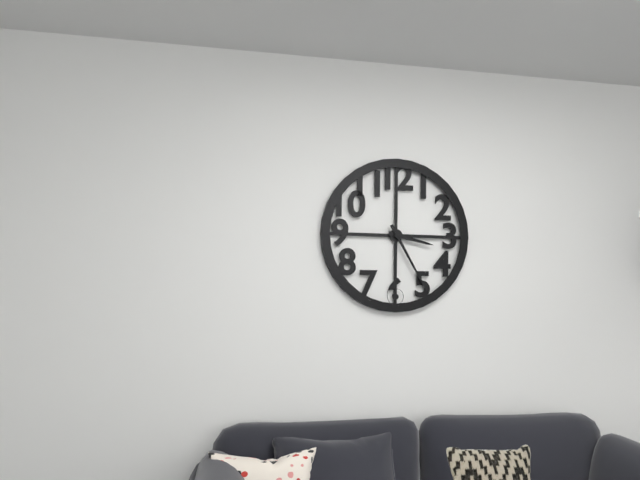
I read 3.25
